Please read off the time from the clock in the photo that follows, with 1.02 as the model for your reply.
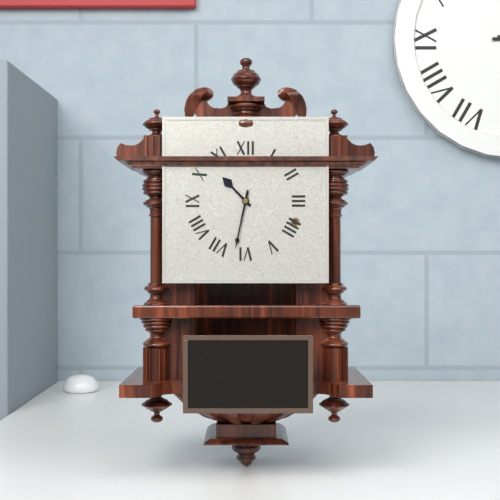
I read 10.32
